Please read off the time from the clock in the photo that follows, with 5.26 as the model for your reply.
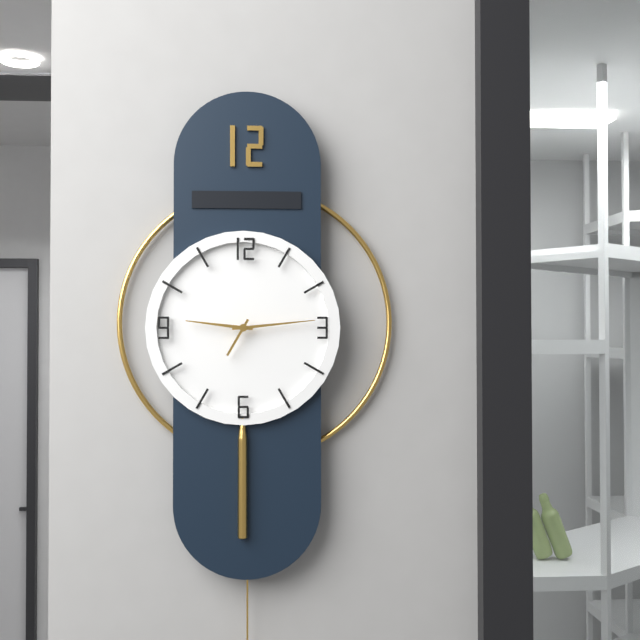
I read 9.14
